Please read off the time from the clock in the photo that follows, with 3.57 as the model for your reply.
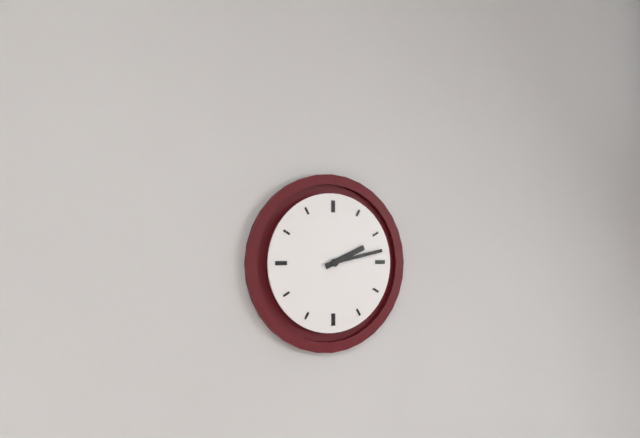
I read 2.13
